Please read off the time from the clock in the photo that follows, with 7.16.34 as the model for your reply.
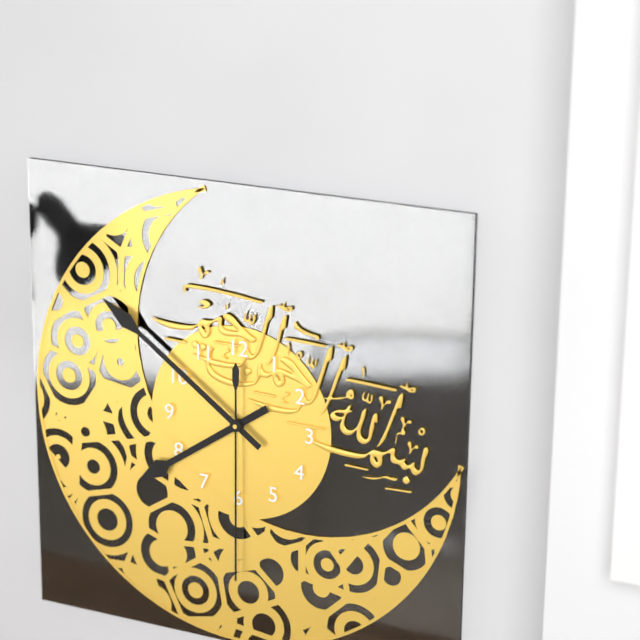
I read 7.51.30
